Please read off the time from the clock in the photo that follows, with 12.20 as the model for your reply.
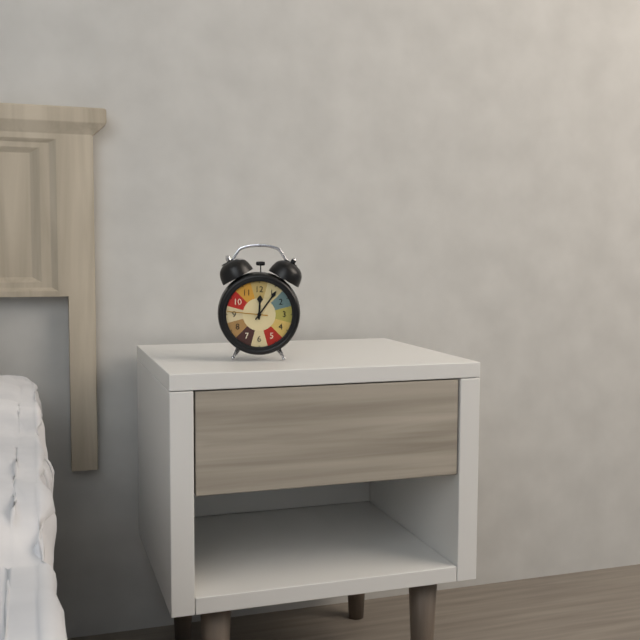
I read 12.06
